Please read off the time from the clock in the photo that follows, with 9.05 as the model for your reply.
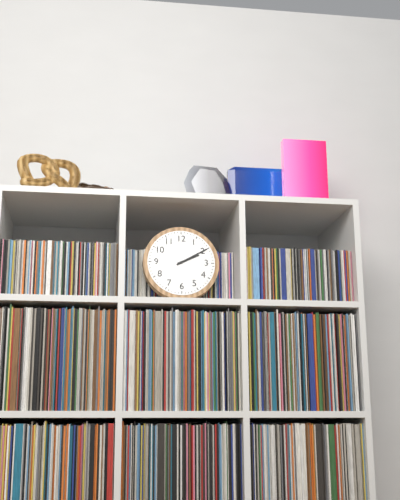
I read 2.10
